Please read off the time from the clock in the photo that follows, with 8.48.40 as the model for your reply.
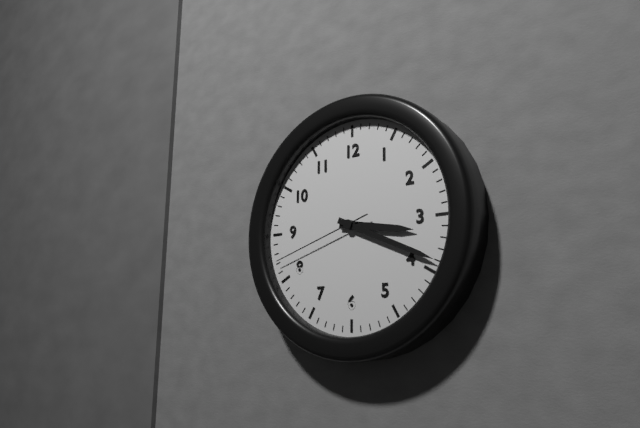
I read 3.19.42
